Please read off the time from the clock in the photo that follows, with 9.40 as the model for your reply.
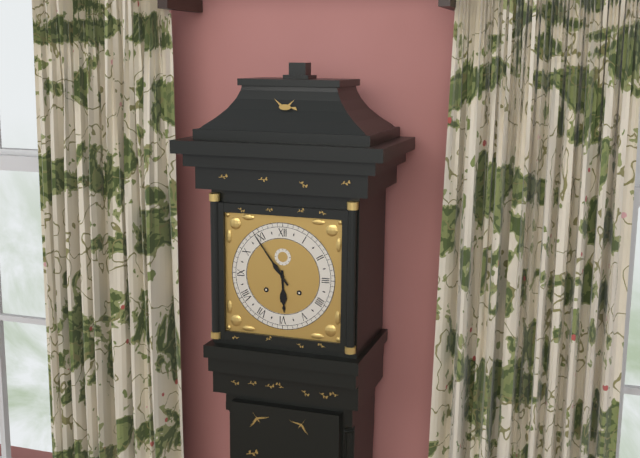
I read 5.54
